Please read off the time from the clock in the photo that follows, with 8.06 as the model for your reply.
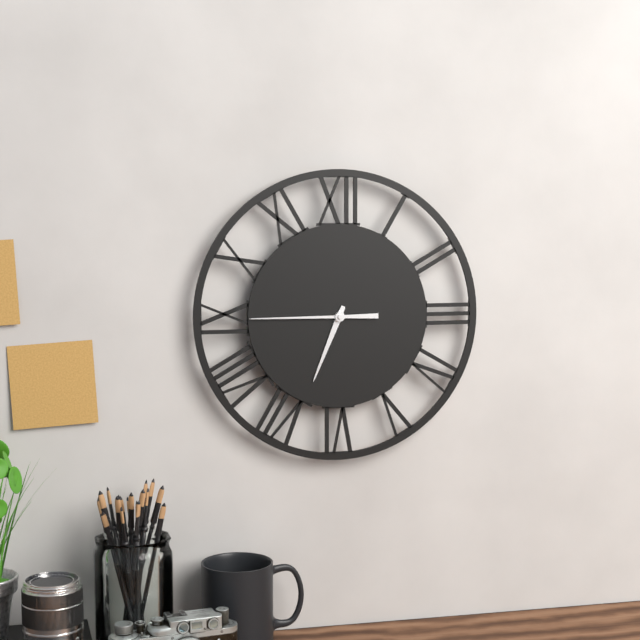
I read 6.45
